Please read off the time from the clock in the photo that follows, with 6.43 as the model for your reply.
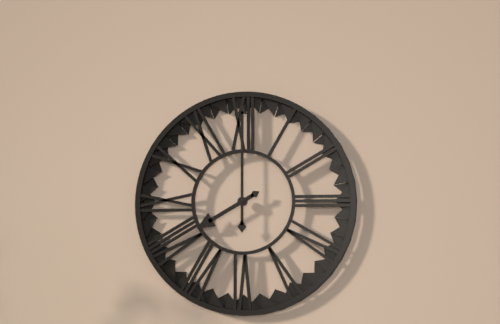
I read 8.00
